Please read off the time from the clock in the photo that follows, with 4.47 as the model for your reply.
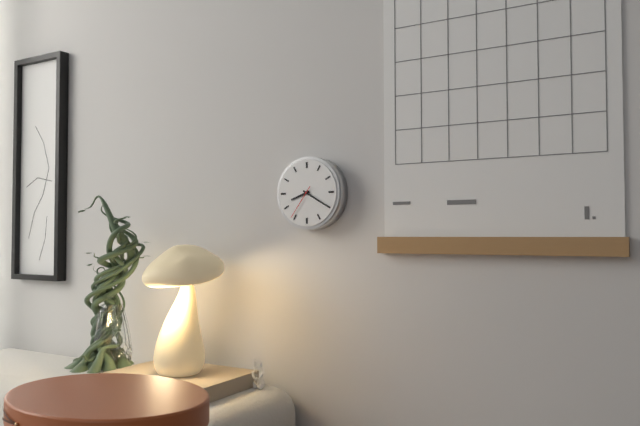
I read 8.20
